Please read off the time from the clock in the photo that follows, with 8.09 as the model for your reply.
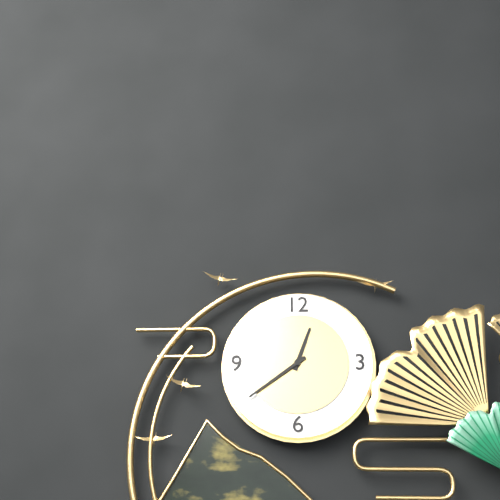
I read 12.39
